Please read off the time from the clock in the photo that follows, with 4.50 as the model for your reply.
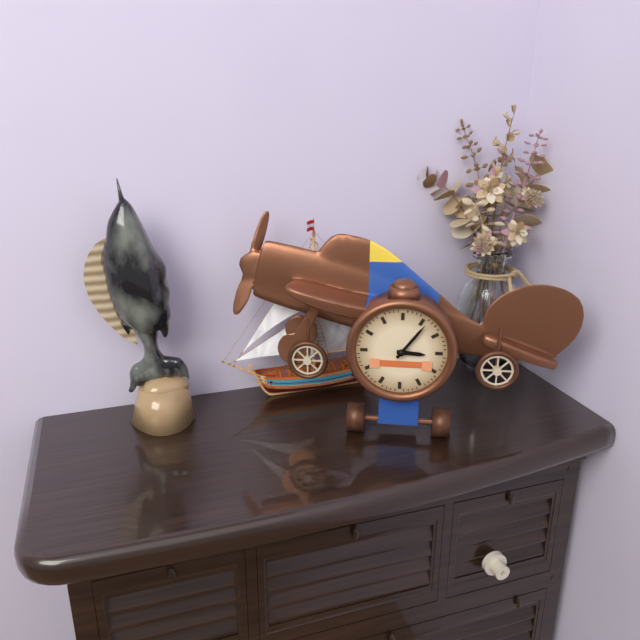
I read 3.06
